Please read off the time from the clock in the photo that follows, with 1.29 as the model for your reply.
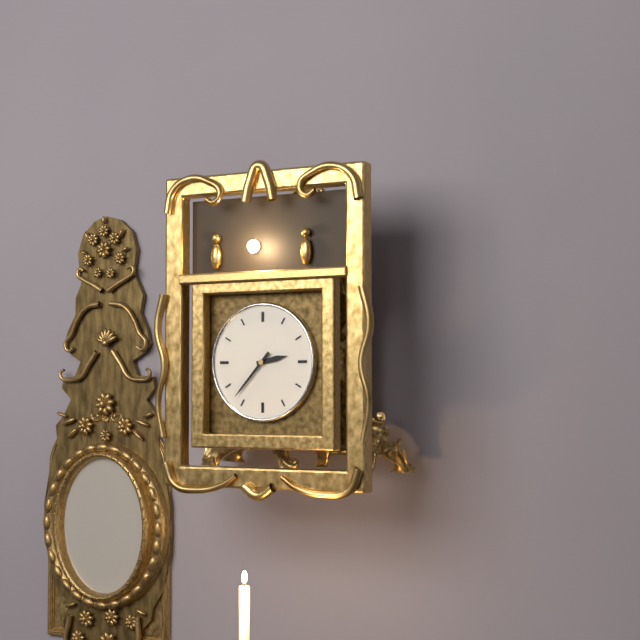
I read 2.37
